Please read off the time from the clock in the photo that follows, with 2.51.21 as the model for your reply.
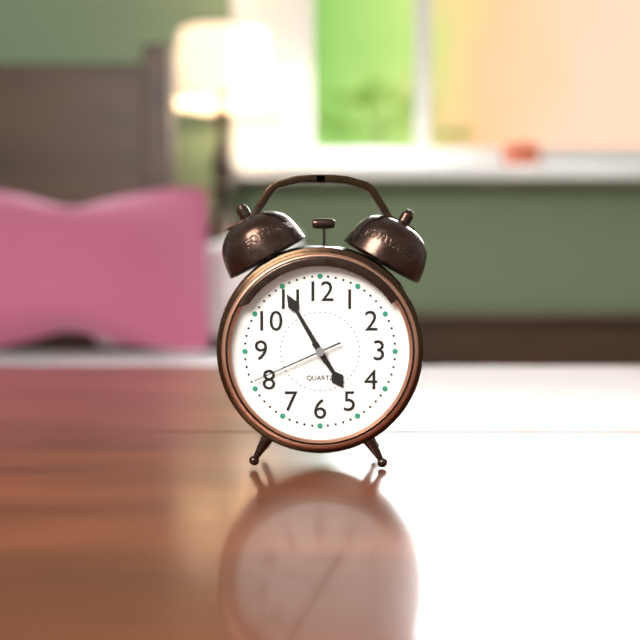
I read 4.55.41
